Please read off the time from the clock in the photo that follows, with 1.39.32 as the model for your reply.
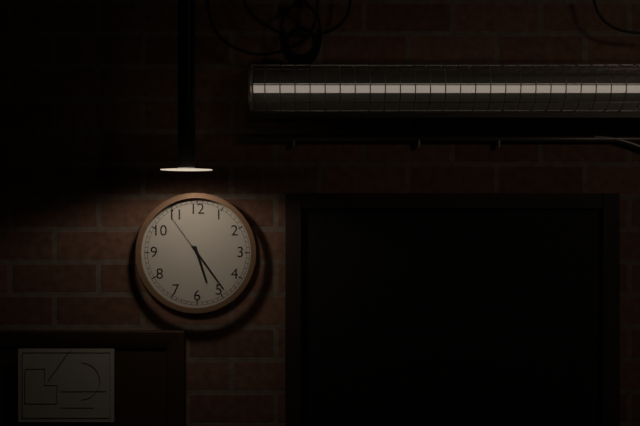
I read 5.24.54
